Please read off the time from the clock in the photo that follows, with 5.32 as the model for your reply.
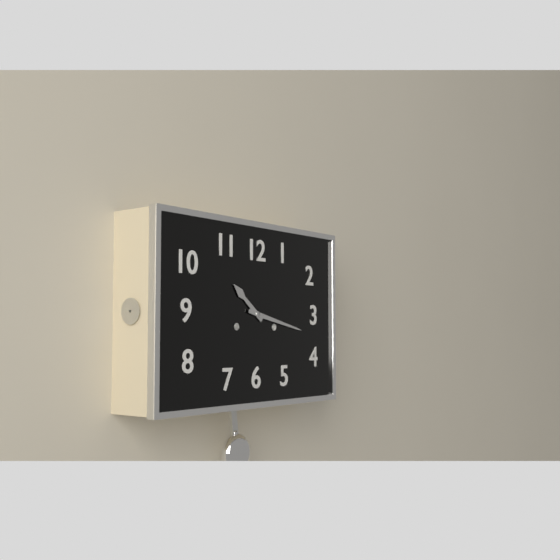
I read 10.17
